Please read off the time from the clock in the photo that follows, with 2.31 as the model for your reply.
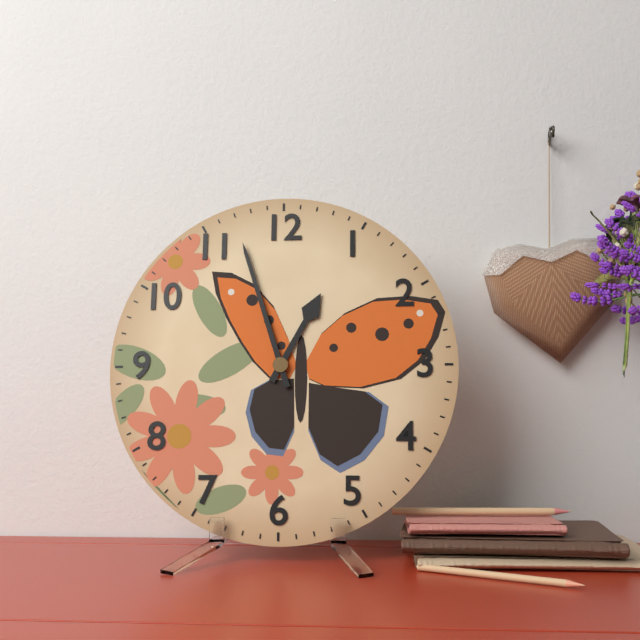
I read 12.57
